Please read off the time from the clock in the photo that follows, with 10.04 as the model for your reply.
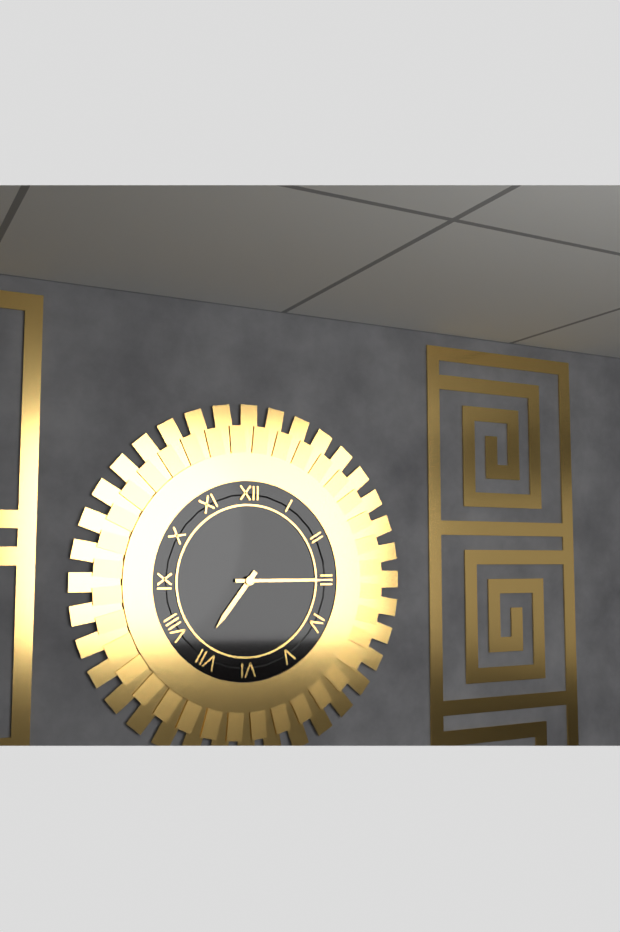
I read 7.15
